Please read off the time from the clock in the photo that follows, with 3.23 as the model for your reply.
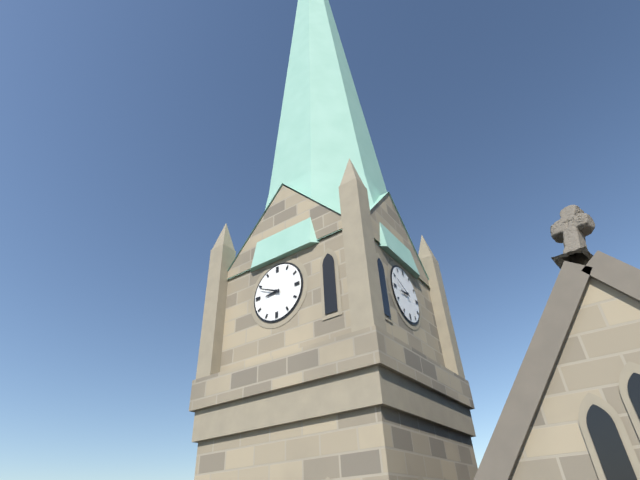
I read 8.49
